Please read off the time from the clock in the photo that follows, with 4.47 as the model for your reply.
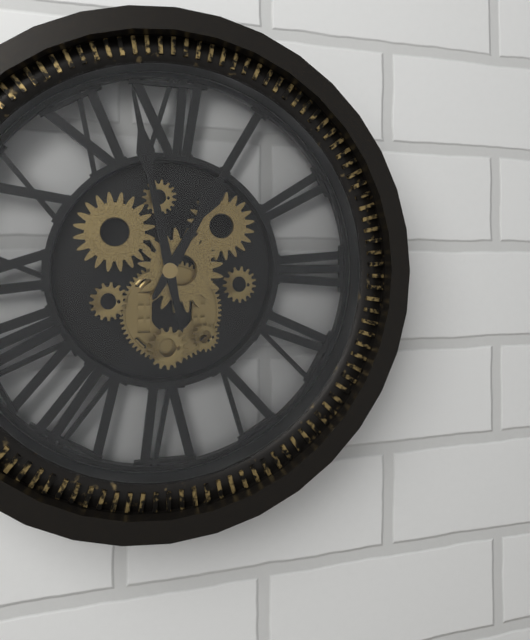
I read 12.58
